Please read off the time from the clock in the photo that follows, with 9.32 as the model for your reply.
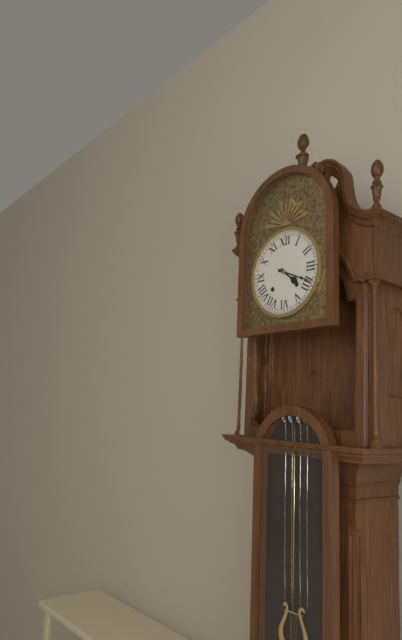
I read 4.19
